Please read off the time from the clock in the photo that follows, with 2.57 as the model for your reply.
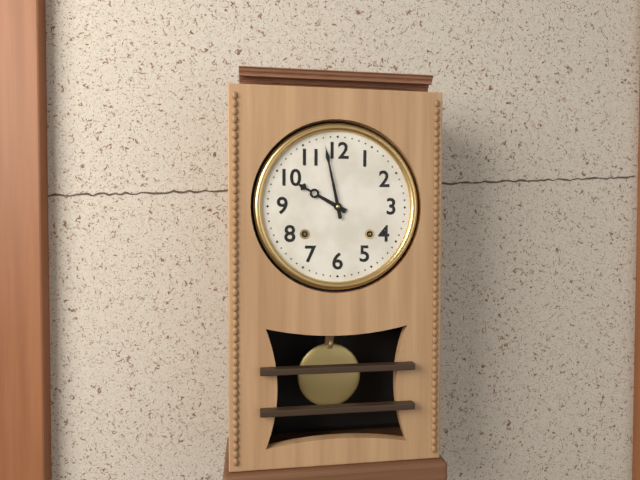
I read 9.58
